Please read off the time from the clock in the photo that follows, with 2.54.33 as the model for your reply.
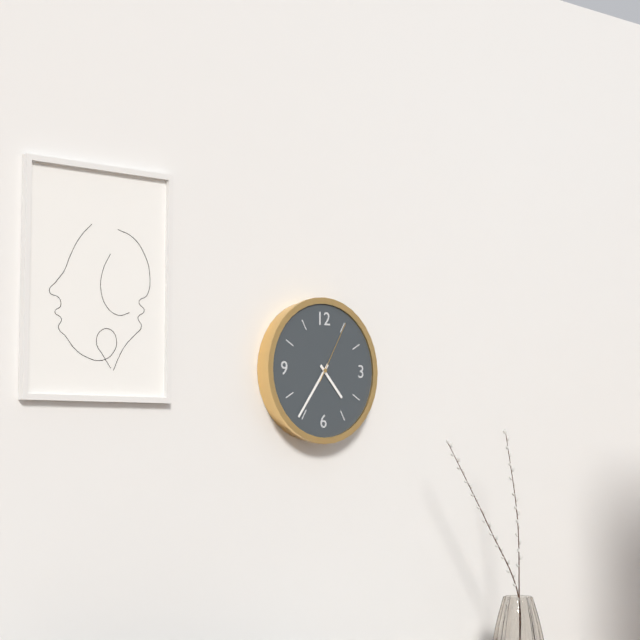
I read 4.36.05
